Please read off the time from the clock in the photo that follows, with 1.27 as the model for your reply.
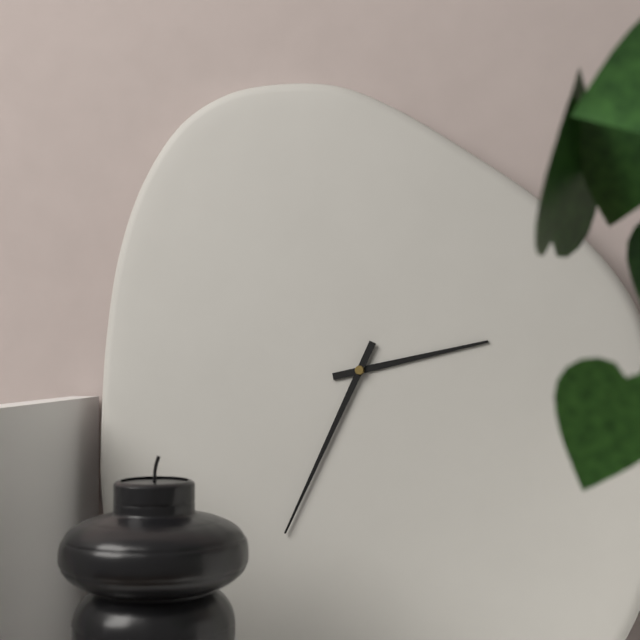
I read 2.34
